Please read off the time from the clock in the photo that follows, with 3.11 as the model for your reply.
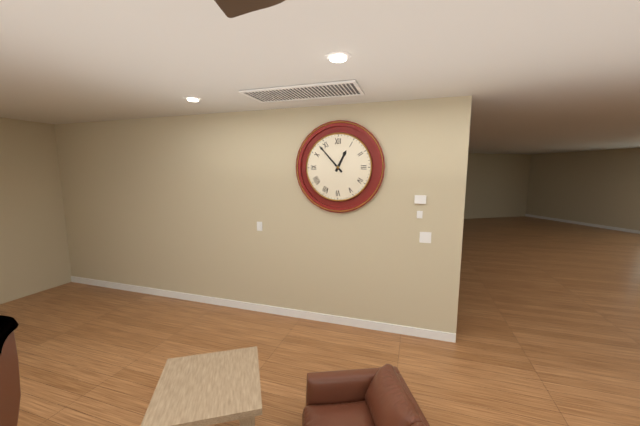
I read 12.53
